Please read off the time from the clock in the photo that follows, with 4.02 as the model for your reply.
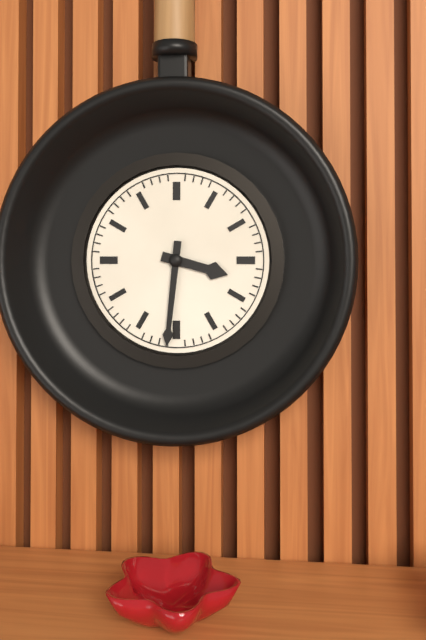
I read 3.31
